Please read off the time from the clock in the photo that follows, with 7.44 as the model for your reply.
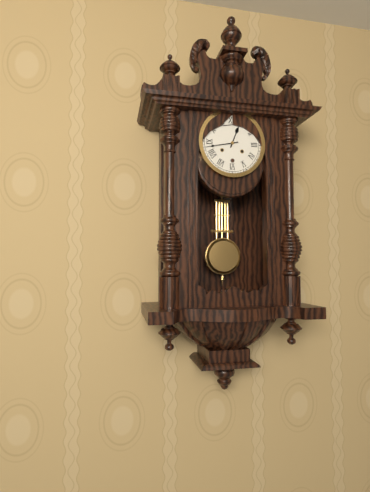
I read 12.43
